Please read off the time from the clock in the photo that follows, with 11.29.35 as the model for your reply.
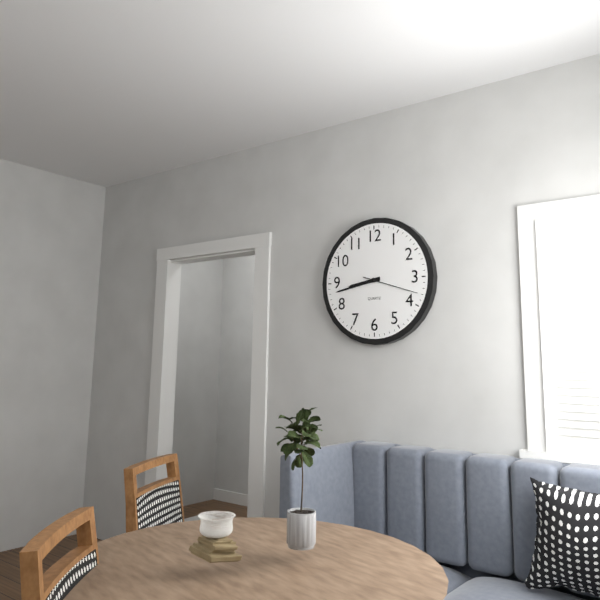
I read 8.43.18
